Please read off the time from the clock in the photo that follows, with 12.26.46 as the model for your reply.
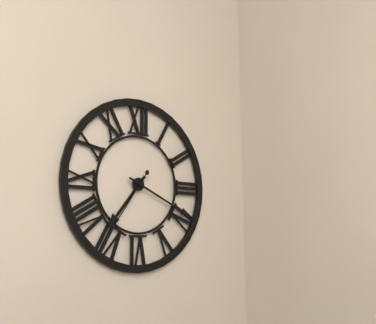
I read 7.19.36
